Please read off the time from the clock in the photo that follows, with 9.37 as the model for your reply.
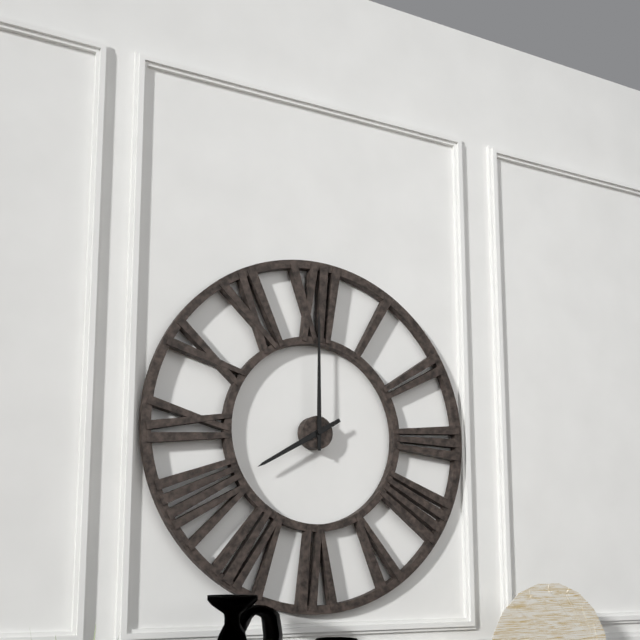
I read 8.00
